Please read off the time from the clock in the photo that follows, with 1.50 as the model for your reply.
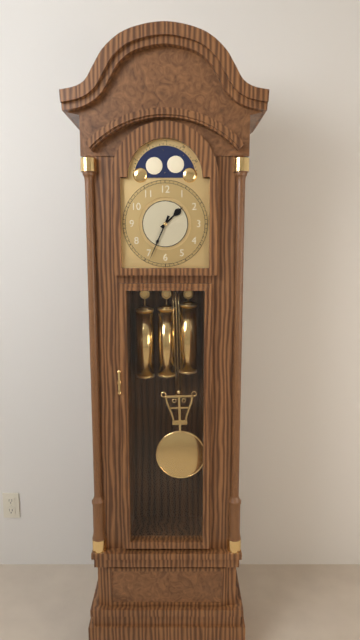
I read 1.34
